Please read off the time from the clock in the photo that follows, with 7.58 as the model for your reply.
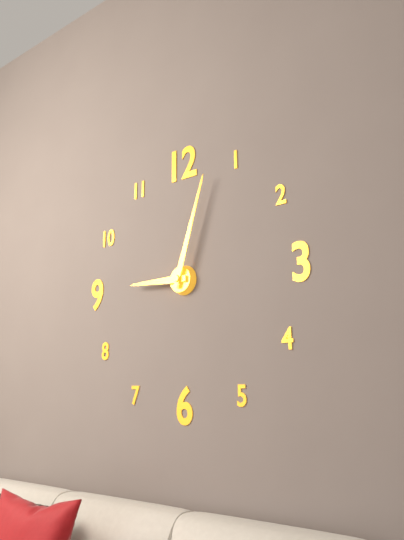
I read 9.03
